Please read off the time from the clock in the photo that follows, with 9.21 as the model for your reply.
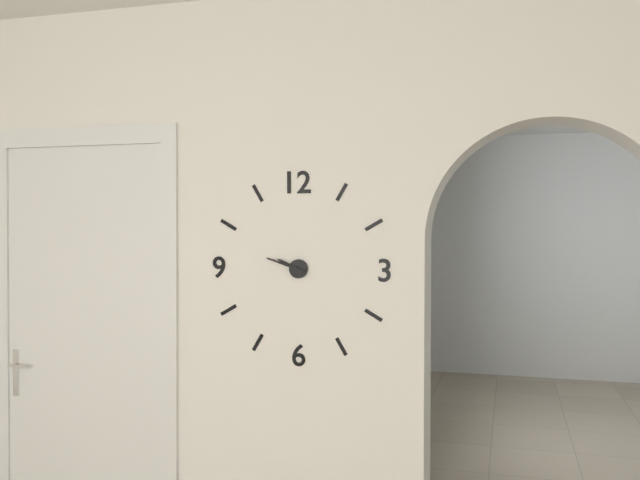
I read 9.48
